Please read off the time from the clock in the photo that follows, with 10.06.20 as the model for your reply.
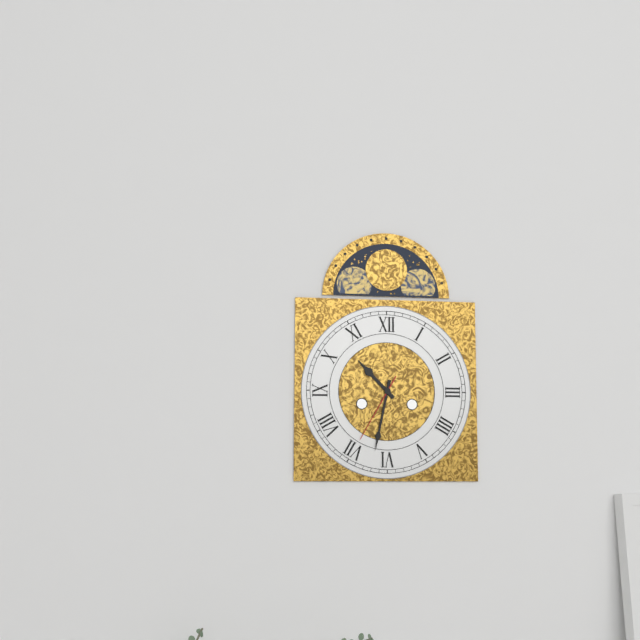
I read 10.32.35
